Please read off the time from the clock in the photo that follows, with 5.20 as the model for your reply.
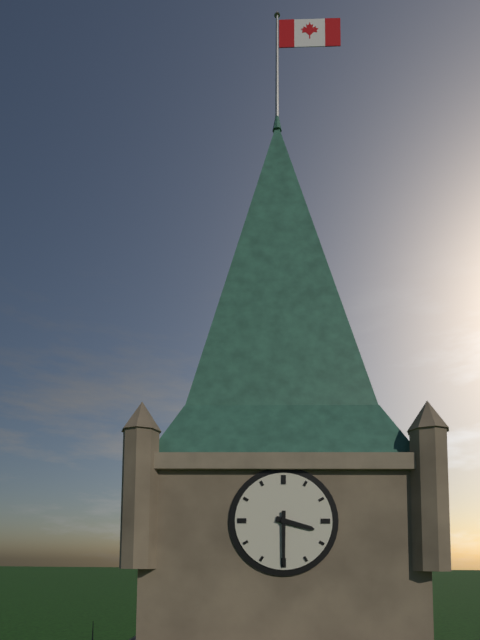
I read 3.30
